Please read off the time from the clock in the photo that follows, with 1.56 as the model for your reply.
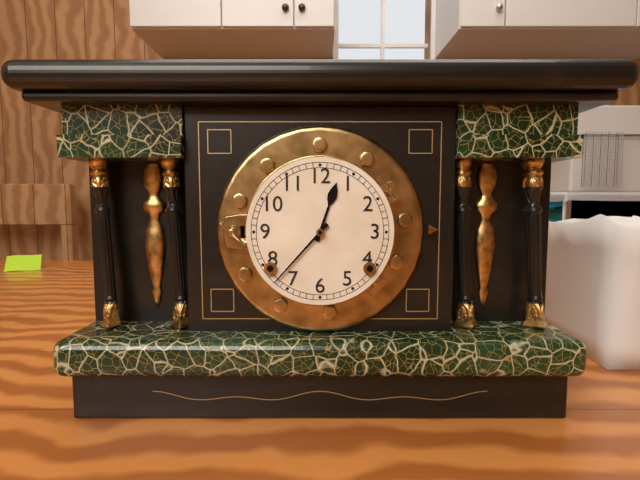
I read 12.37
